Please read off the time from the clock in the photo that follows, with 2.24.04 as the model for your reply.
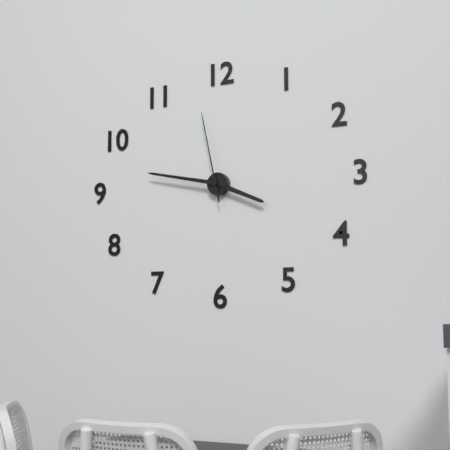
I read 3.47.58
